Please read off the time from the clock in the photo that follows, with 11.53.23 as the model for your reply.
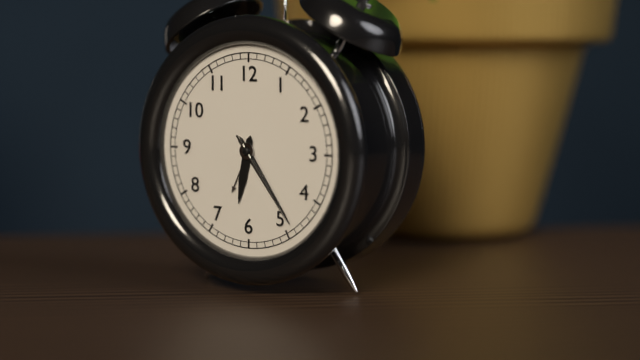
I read 6.24.24
